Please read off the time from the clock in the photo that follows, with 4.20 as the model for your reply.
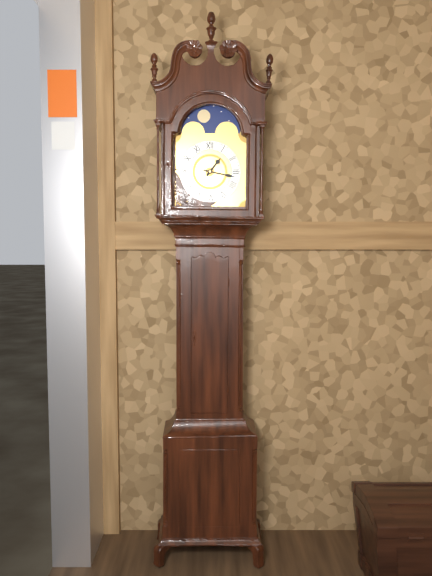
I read 1.17
